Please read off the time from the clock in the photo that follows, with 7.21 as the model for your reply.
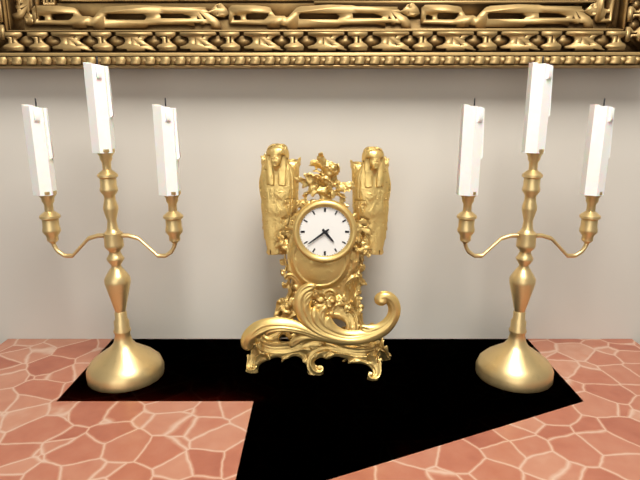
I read 4.39
